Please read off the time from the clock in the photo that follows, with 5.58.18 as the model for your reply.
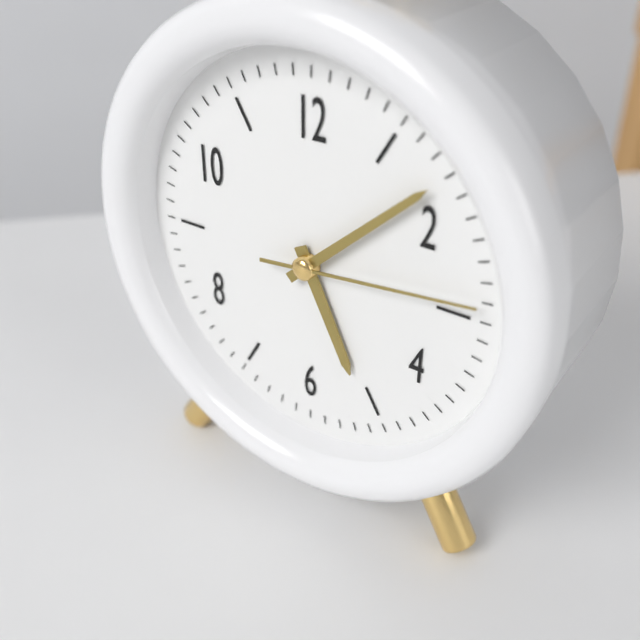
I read 5.08.14
